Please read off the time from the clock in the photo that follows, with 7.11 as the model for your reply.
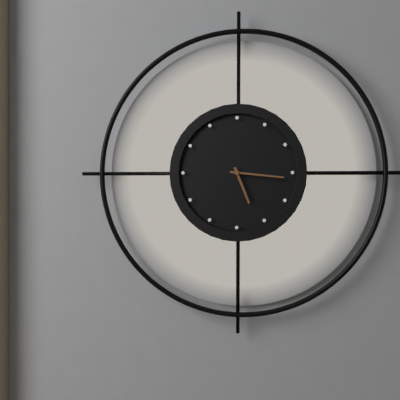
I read 5.16
